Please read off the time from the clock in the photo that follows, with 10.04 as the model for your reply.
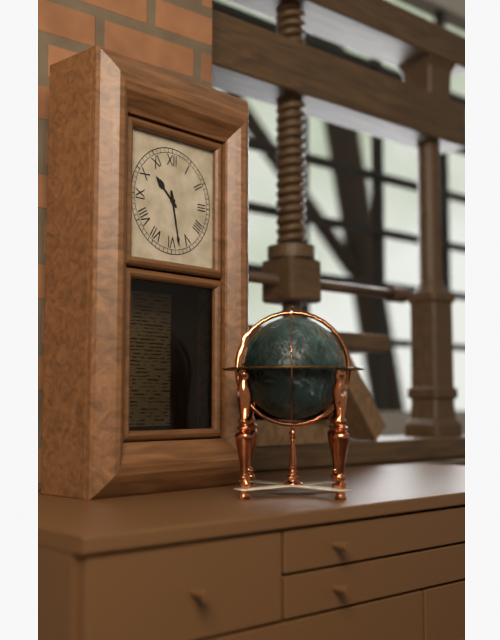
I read 10.28
